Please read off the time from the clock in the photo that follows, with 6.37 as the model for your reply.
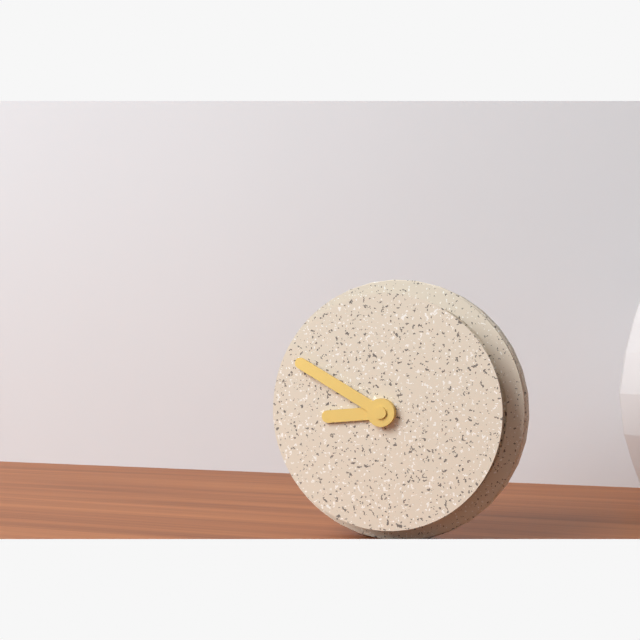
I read 8.50
